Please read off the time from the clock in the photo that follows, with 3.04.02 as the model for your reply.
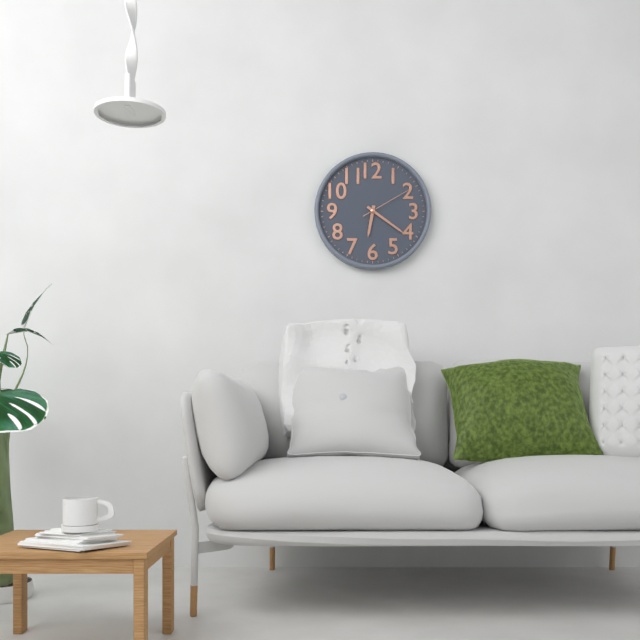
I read 6.21.10
